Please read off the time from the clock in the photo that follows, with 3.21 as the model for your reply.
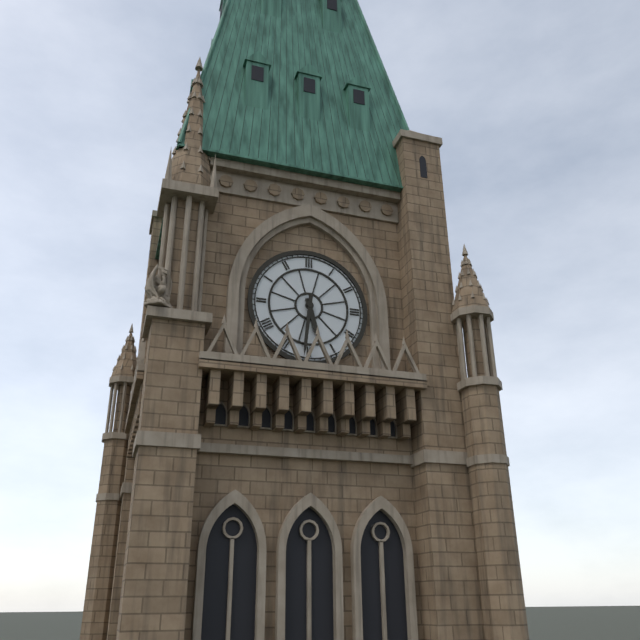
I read 5.31
